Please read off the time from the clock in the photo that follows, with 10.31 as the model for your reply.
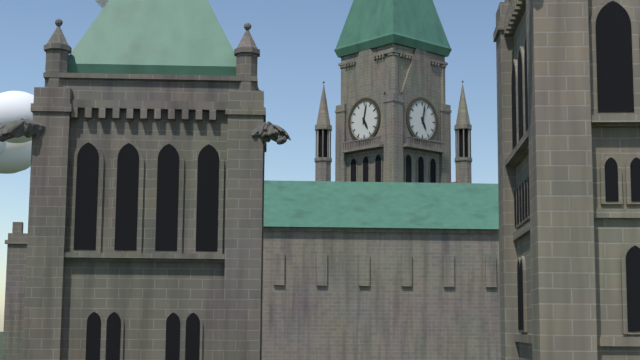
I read 5.02
